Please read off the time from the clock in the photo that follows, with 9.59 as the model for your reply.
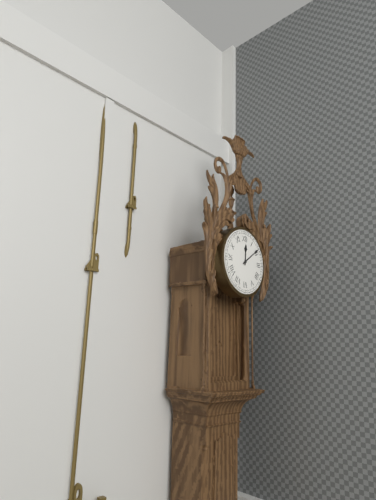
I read 12.09
